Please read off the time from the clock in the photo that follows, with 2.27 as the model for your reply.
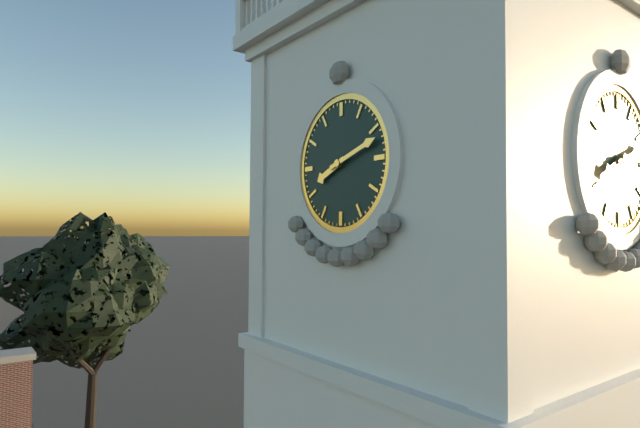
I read 8.12
